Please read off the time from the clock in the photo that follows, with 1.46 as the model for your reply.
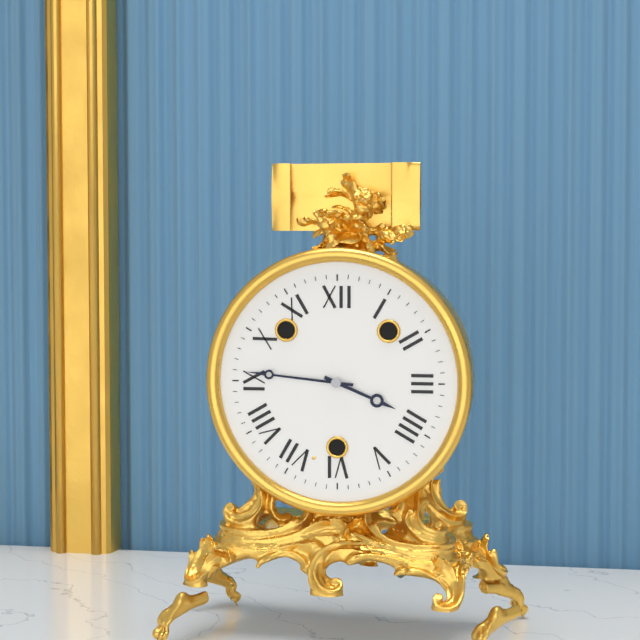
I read 3.46
